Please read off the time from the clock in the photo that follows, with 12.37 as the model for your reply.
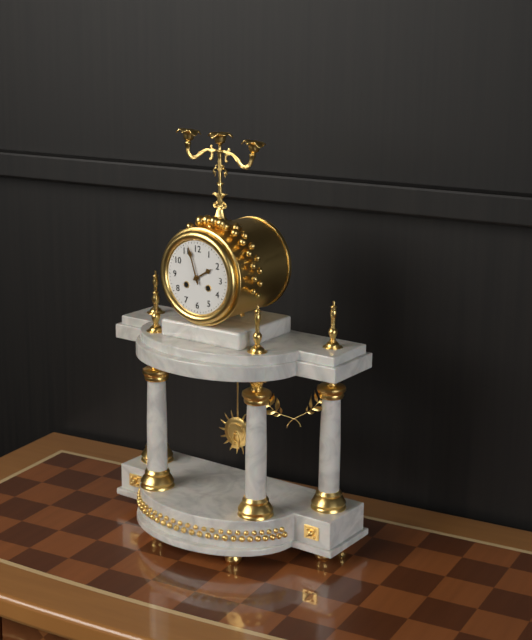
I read 1.57
